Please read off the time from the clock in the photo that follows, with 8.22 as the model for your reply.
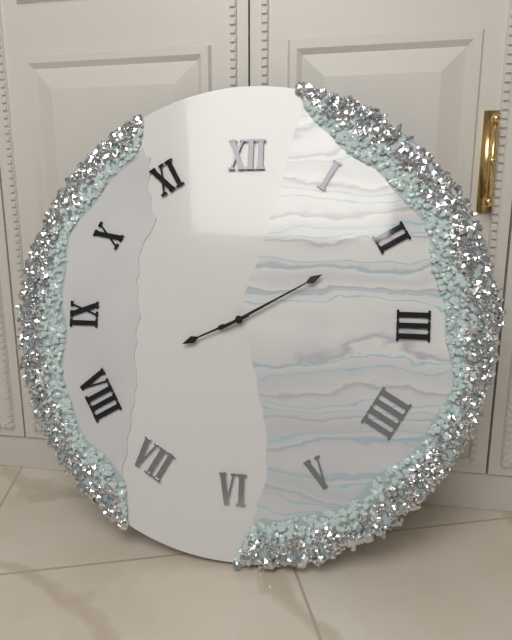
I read 8.10
